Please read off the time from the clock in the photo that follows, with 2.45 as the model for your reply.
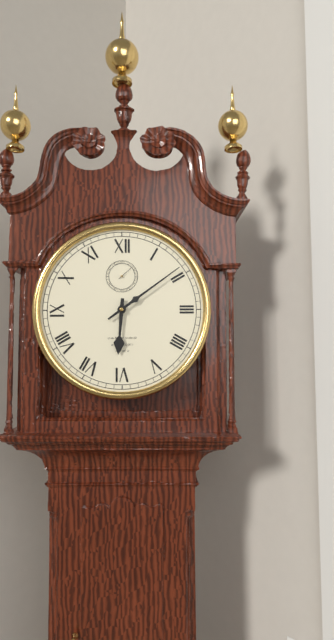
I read 6.09
